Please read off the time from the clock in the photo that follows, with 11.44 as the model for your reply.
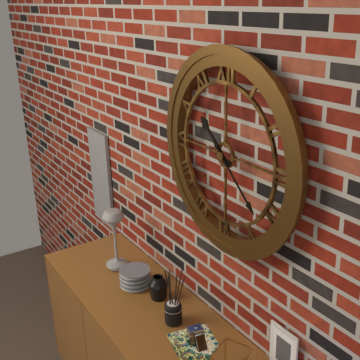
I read 10.22
